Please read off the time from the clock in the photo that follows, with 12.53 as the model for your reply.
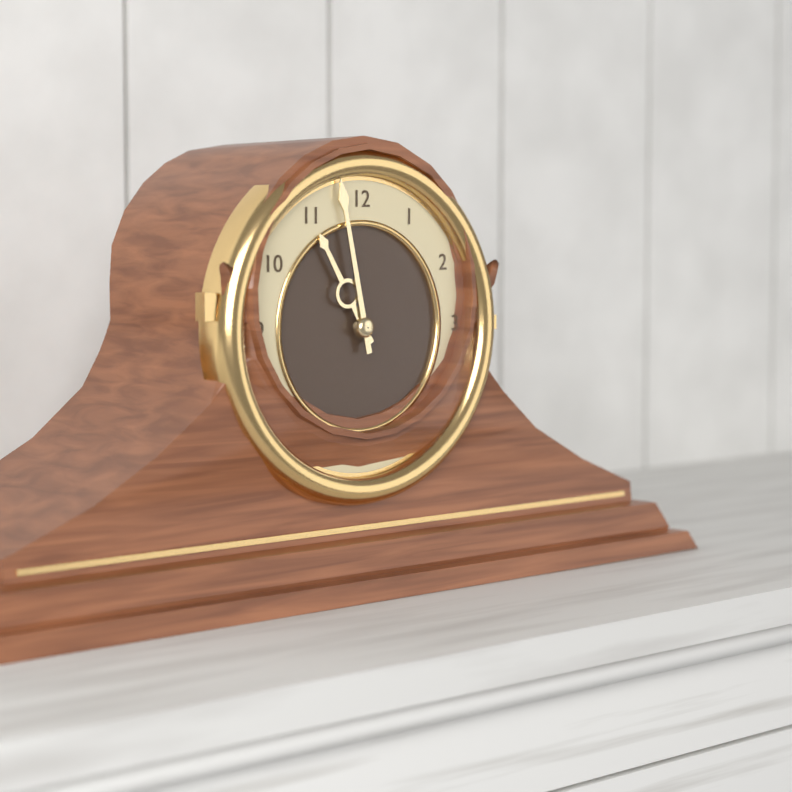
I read 10.58
